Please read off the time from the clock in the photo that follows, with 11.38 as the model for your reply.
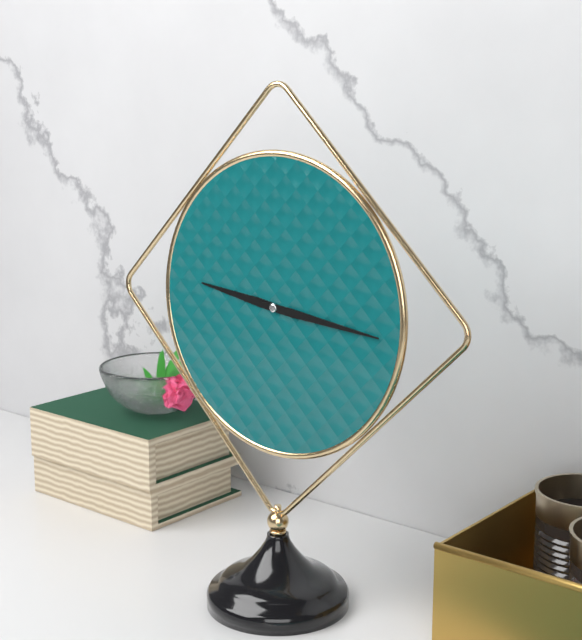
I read 9.16
